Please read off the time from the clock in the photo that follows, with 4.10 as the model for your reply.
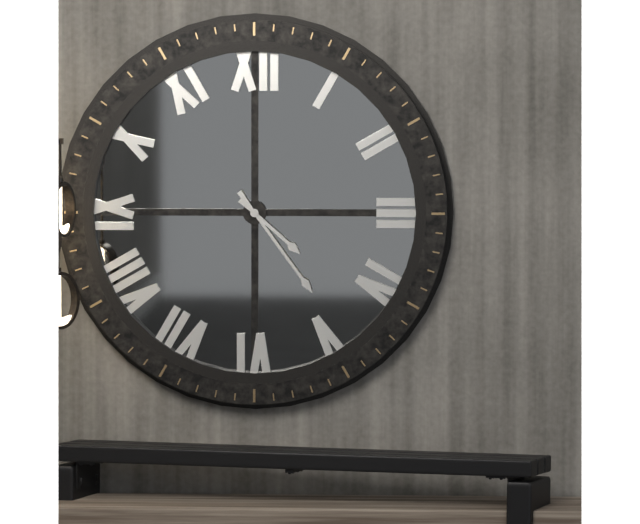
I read 4.24
